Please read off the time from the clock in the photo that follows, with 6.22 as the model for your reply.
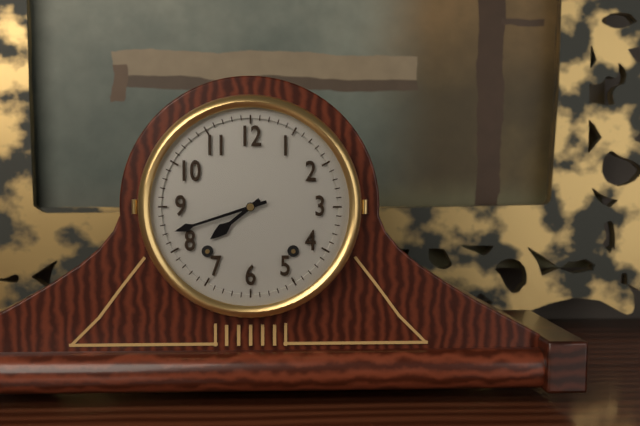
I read 7.42
